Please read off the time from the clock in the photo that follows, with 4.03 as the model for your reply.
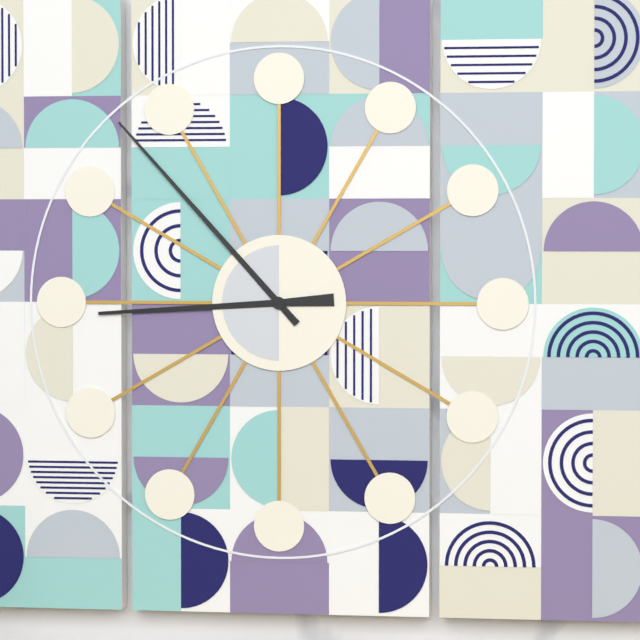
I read 8.53
